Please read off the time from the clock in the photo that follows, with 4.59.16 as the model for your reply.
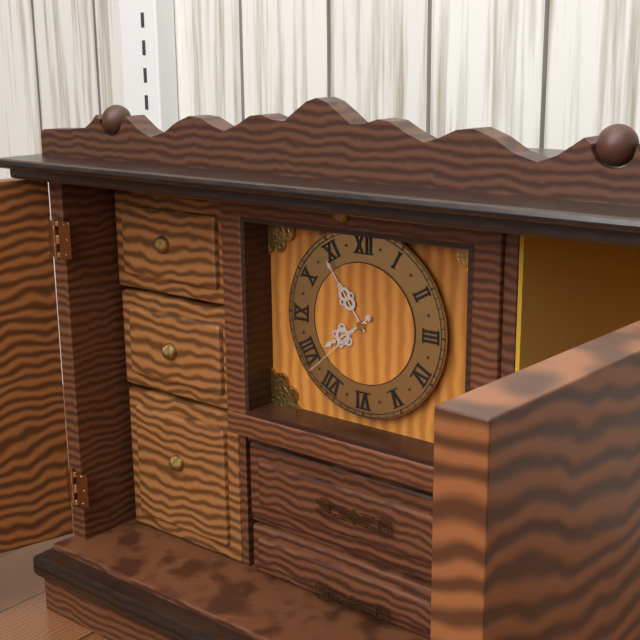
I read 7.54.38
